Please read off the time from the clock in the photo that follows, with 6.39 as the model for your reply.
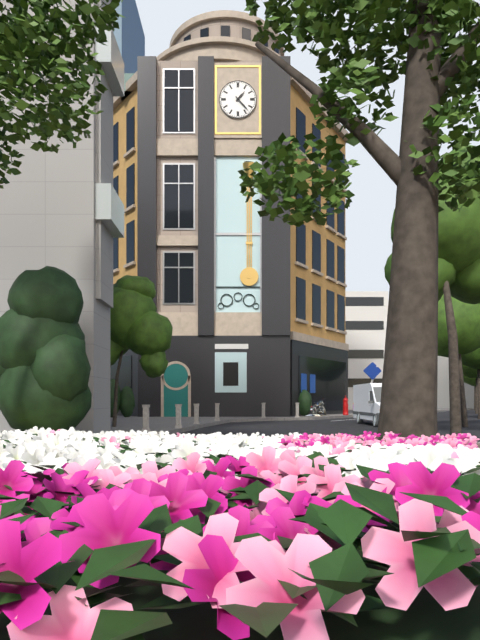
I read 1.23
